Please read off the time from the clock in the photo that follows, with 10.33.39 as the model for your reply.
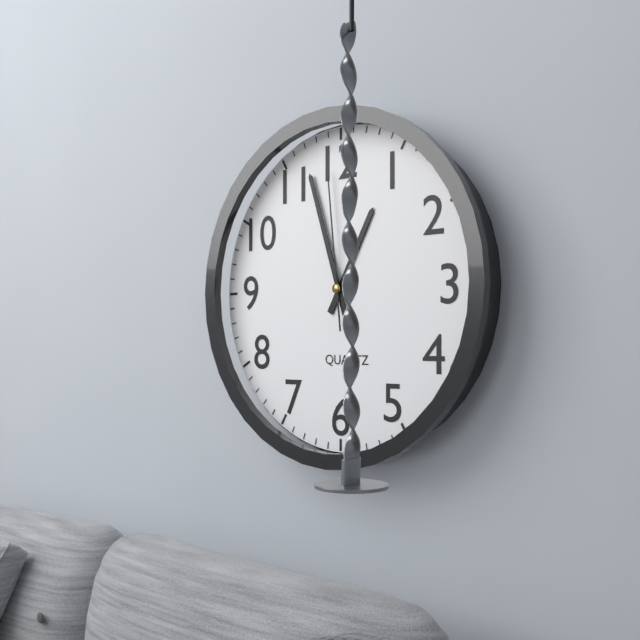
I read 12.57.59
